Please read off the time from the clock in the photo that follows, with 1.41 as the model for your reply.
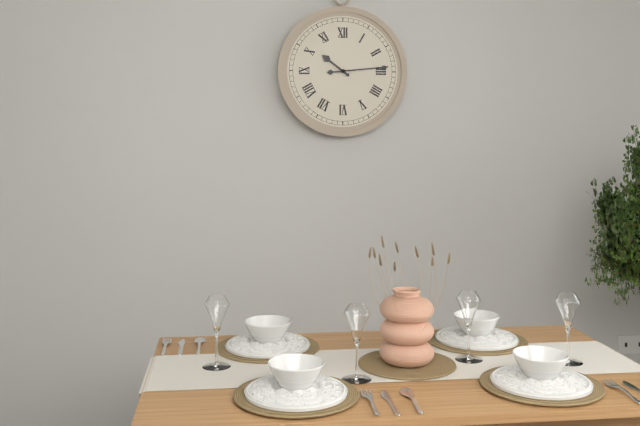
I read 10.14
